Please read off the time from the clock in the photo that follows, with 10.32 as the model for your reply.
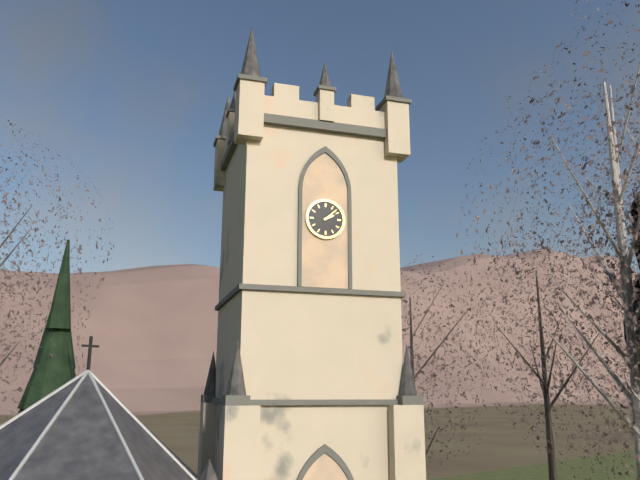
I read 2.08
